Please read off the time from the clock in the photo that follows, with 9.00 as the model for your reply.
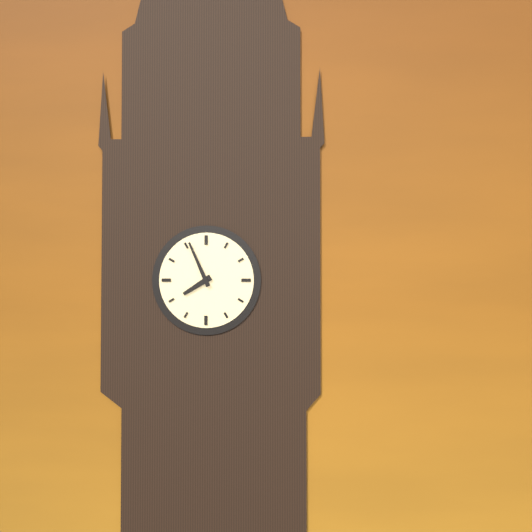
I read 7.56
